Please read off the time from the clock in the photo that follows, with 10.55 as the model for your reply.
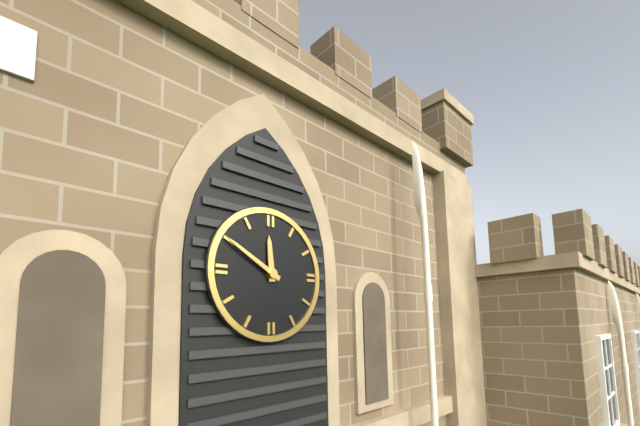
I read 11.50
